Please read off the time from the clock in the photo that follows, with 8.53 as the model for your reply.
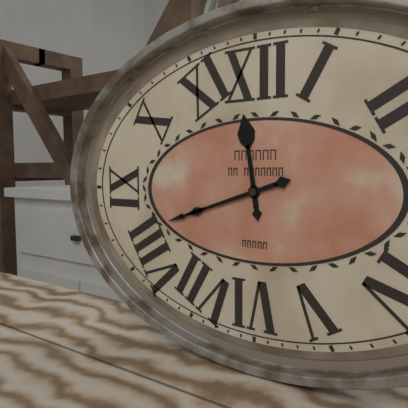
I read 11.42
